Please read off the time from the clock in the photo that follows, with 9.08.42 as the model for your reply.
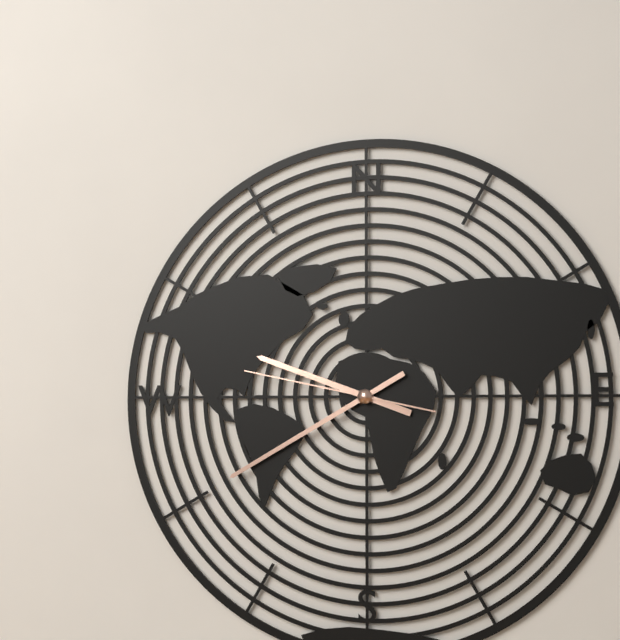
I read 9.40.47
